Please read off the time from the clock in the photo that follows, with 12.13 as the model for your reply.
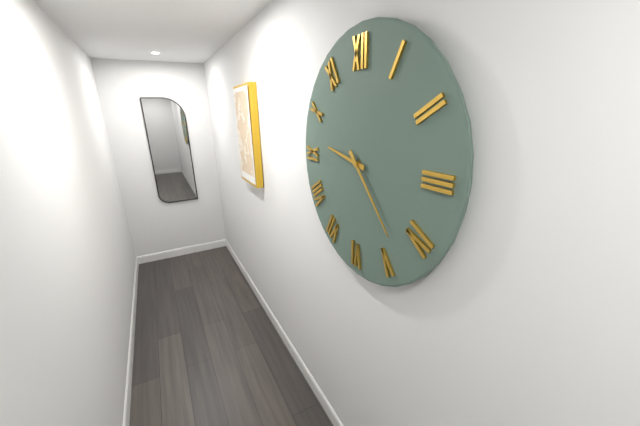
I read 9.23
